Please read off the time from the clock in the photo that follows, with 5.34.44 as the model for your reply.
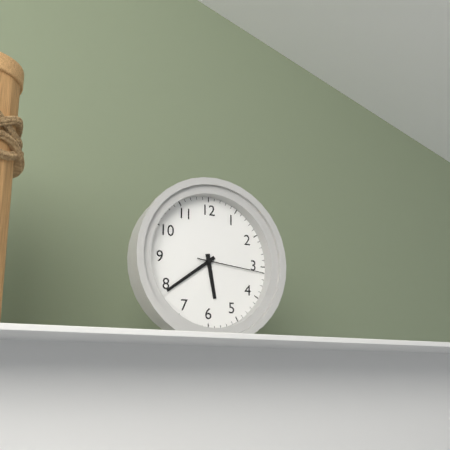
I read 5.39.16
